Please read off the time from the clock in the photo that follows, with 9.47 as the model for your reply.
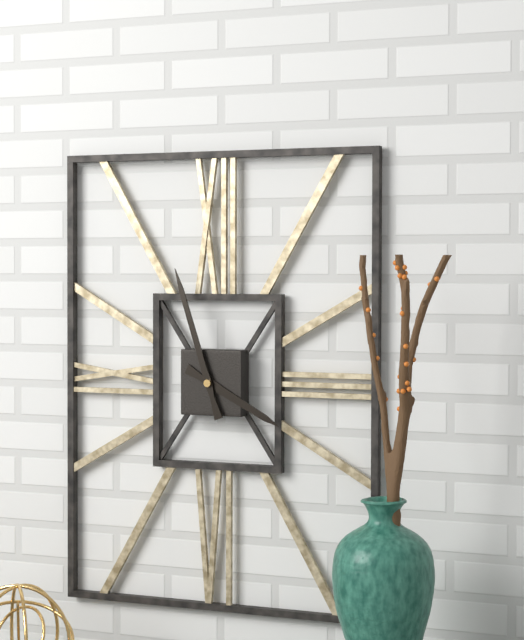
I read 3.57
